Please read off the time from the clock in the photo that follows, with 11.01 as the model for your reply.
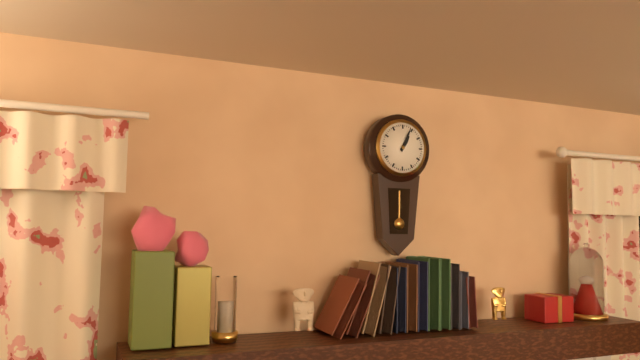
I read 1.04
